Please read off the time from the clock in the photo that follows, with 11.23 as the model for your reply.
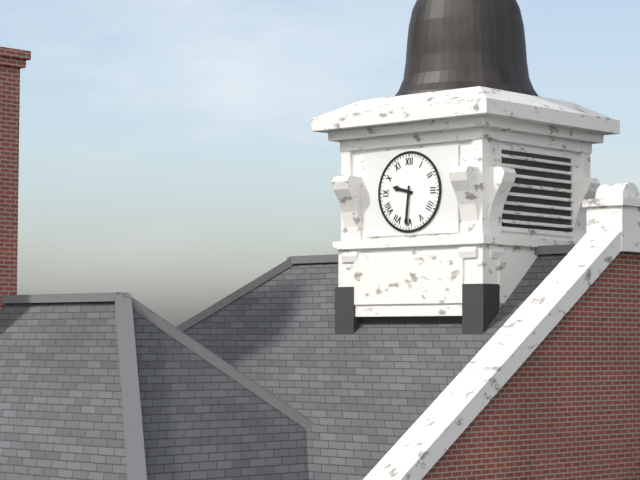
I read 9.31
